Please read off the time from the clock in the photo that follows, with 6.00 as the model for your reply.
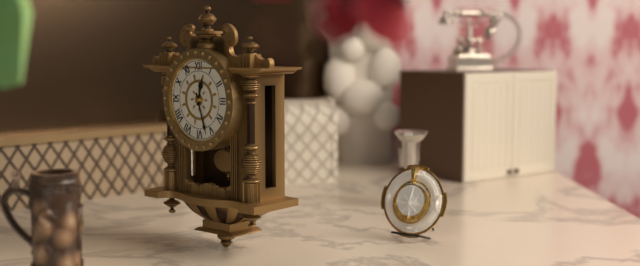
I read 12.27
